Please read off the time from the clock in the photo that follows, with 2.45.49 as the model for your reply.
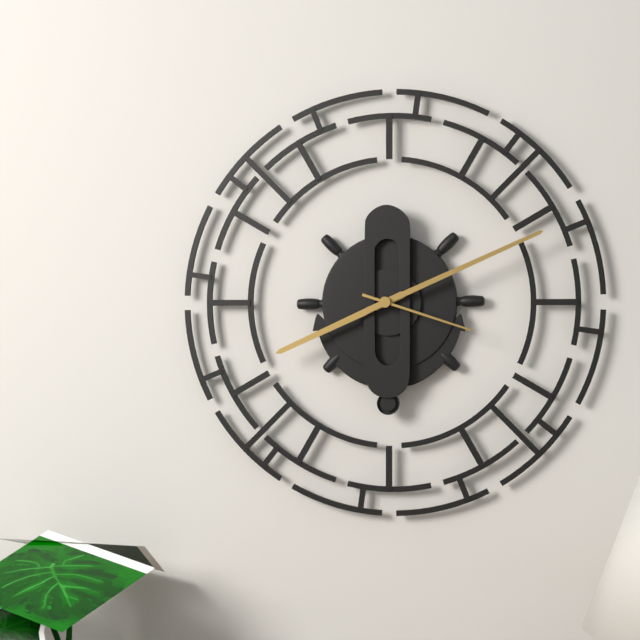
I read 8.11.18
